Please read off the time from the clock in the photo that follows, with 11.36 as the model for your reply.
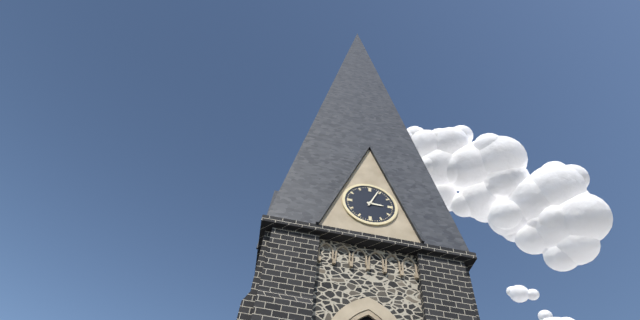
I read 3.04
